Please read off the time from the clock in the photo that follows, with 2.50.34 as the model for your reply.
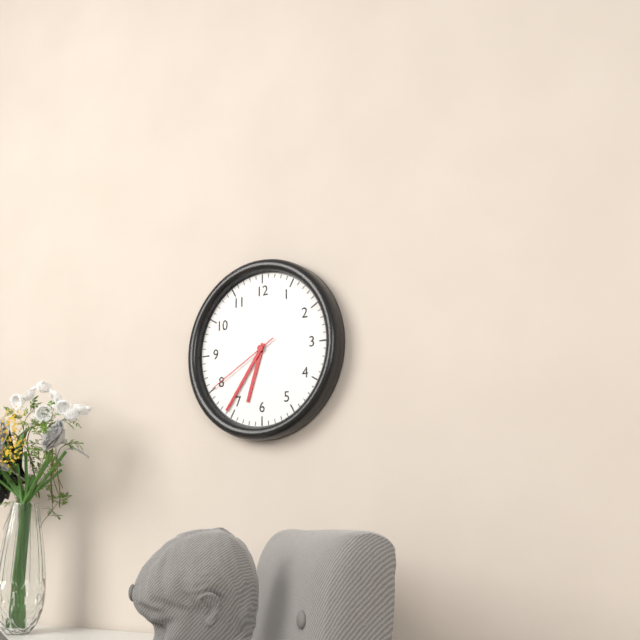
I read 6.36.40
